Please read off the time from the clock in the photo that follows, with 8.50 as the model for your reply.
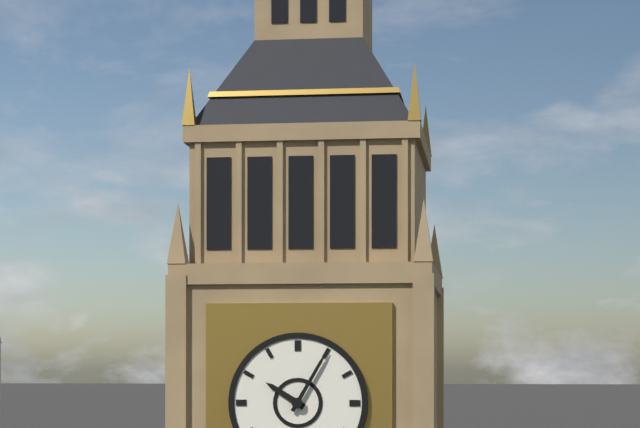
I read 10.05
